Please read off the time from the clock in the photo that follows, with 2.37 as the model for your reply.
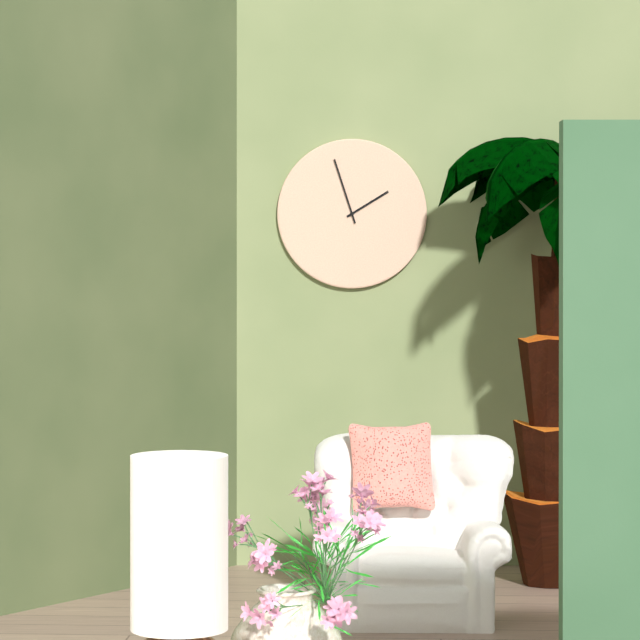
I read 1.57
